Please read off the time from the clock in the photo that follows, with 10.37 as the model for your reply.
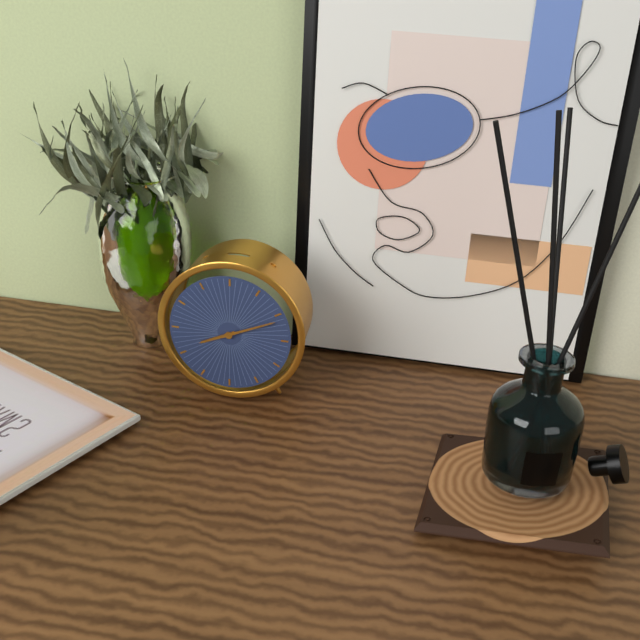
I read 8.11
